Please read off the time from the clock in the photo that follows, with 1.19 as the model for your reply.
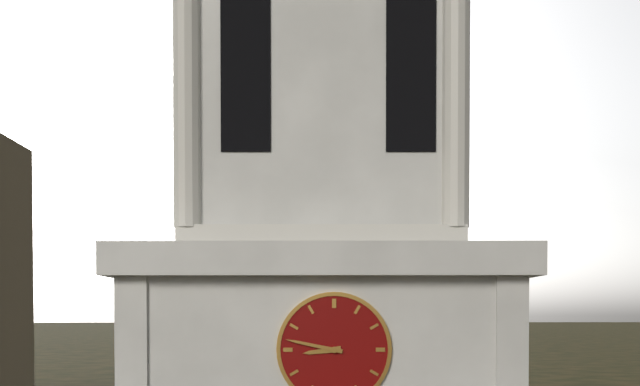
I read 8.47
